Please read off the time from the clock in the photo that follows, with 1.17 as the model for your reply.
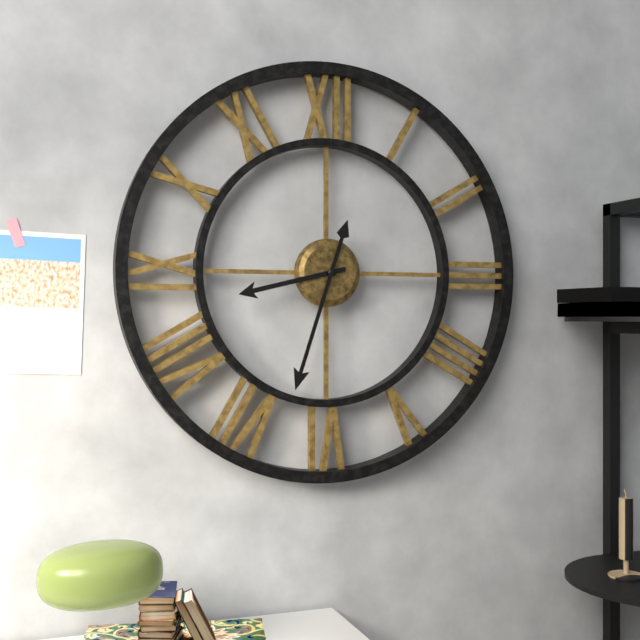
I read 8.33
